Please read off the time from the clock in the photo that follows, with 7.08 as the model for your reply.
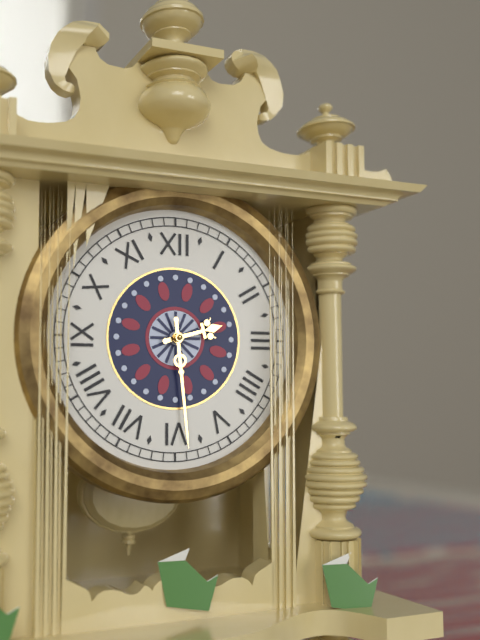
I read 2.29
